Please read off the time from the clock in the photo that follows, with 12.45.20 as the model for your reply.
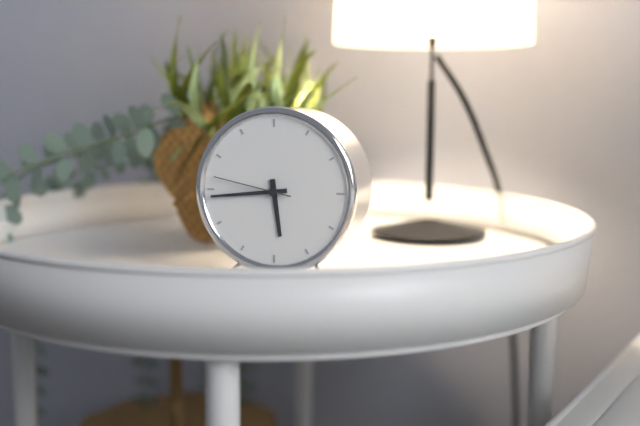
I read 5.44.47
